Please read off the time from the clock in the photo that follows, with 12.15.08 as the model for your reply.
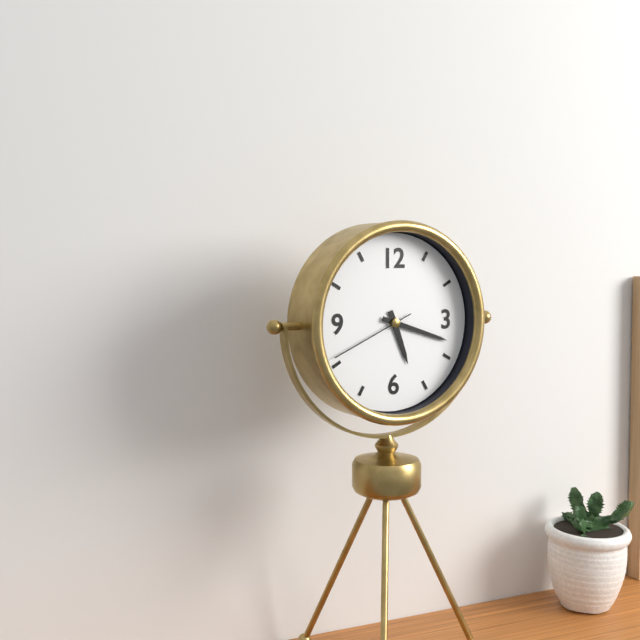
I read 5.18.41
